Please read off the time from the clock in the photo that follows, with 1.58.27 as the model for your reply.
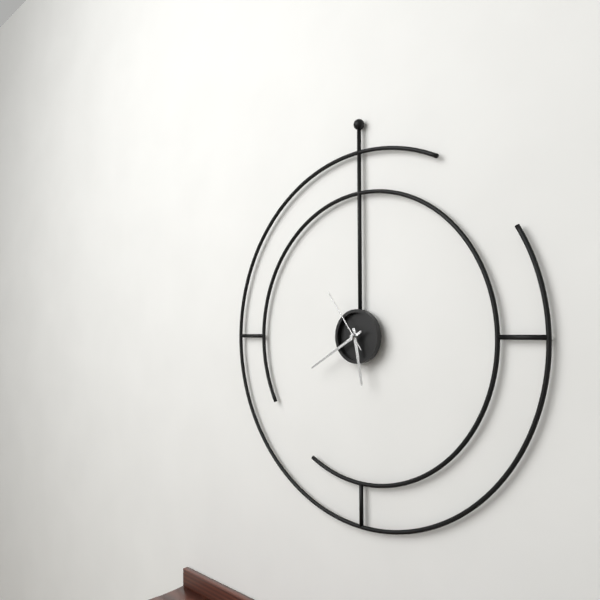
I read 5.40.54
